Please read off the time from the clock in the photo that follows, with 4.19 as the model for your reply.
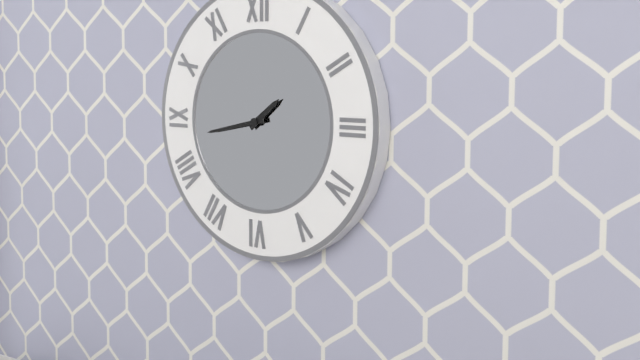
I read 1.43
